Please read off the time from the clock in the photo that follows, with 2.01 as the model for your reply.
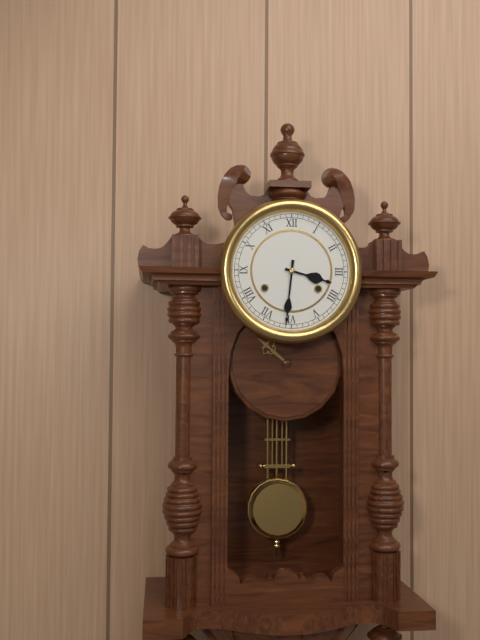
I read 3.31
